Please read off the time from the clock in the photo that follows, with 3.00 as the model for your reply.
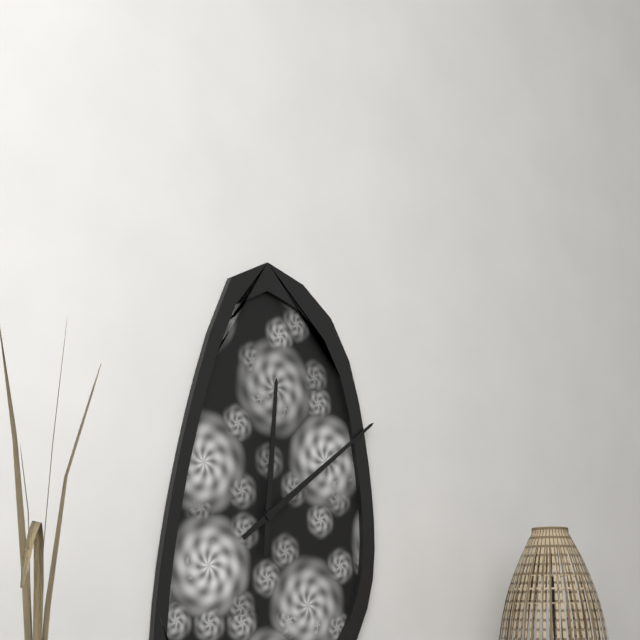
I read 12.09
